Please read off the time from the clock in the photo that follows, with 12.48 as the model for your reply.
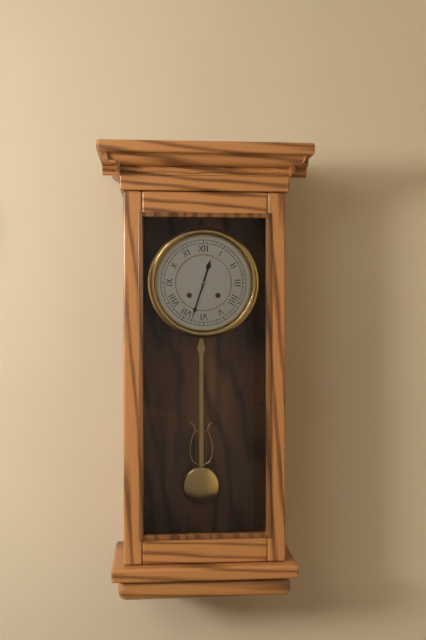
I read 12.33
